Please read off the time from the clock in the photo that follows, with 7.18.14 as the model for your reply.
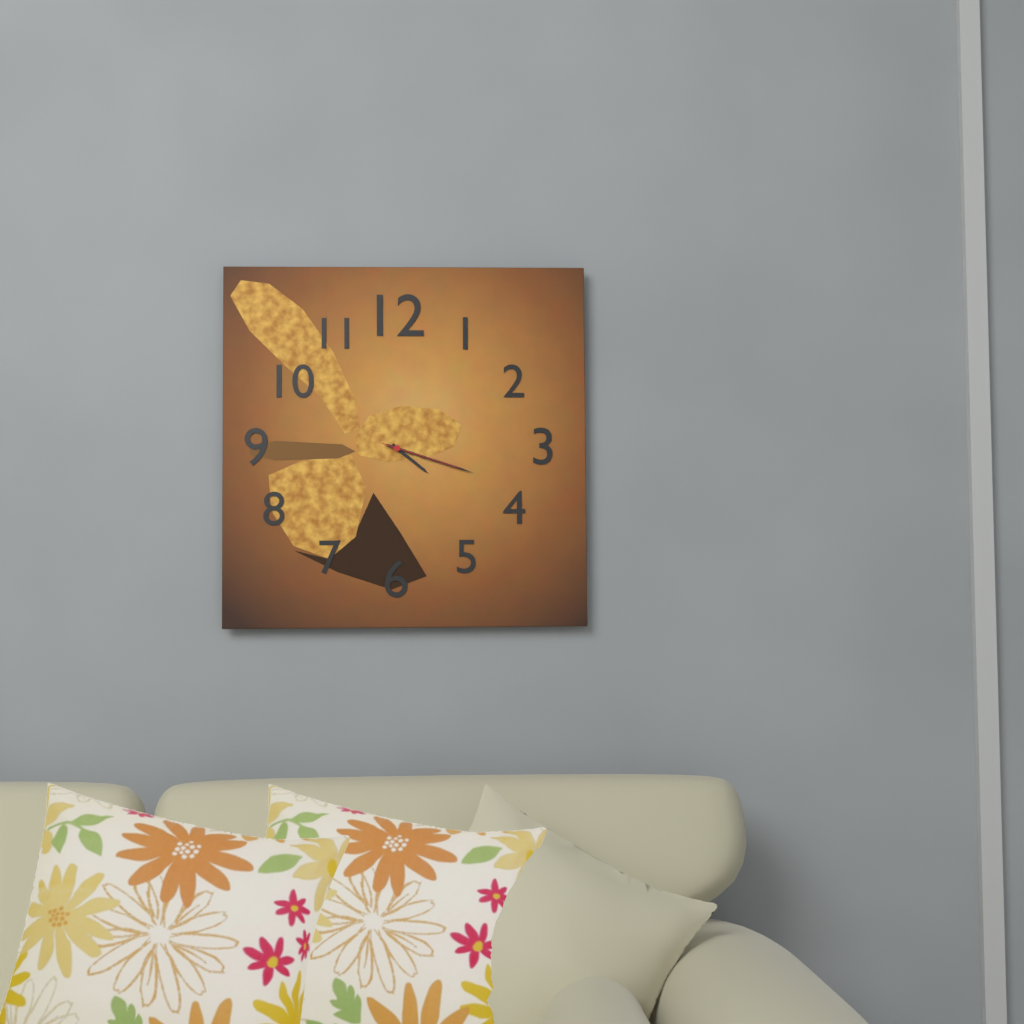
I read 4.18.18
